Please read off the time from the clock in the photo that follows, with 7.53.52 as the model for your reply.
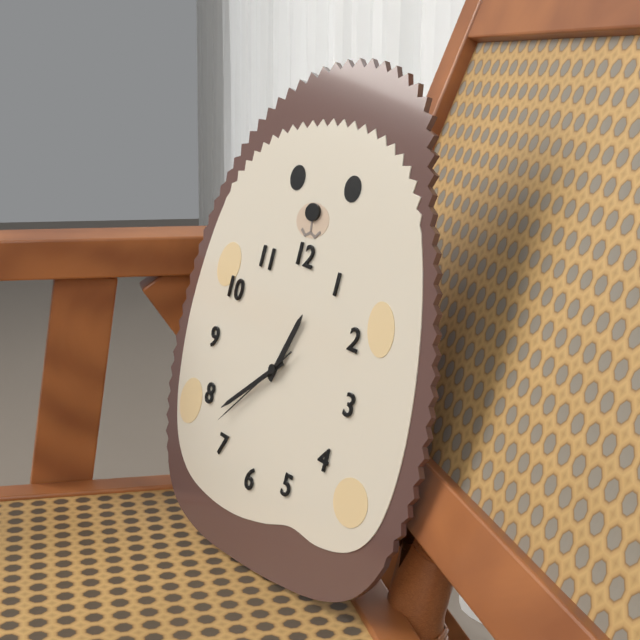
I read 12.38.37
